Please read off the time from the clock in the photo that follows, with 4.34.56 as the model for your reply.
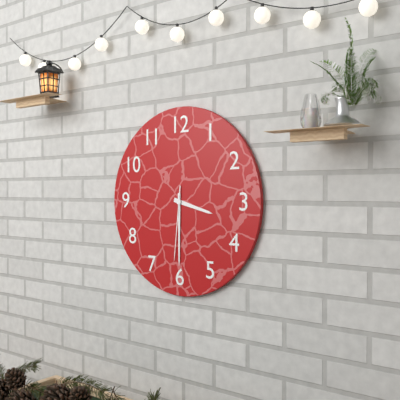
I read 3.30.31
